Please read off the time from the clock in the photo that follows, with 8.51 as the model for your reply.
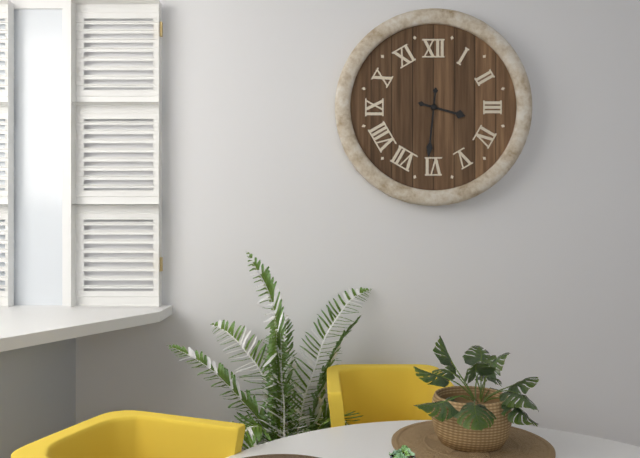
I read 3.31
